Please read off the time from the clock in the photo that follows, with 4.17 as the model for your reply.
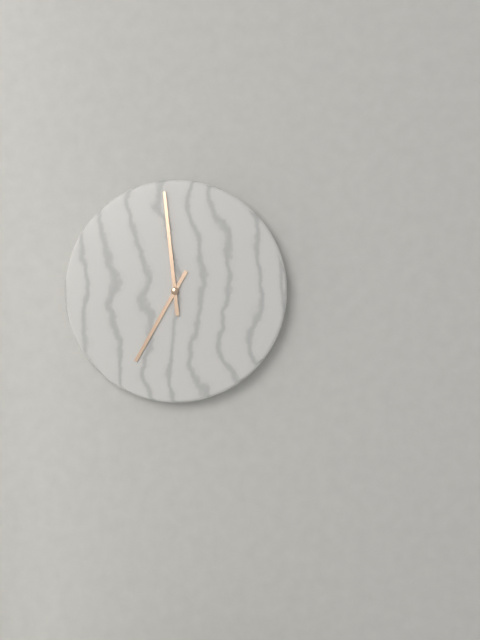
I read 6.59
